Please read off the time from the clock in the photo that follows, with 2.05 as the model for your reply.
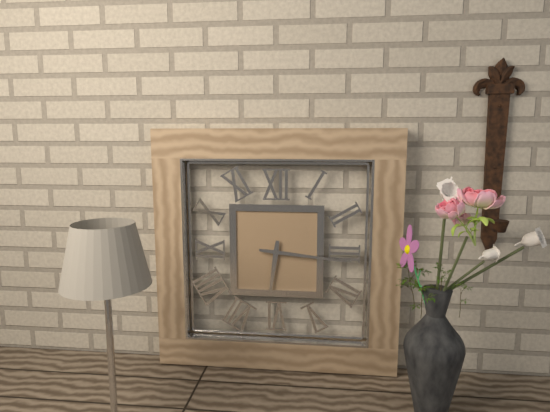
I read 6.16
